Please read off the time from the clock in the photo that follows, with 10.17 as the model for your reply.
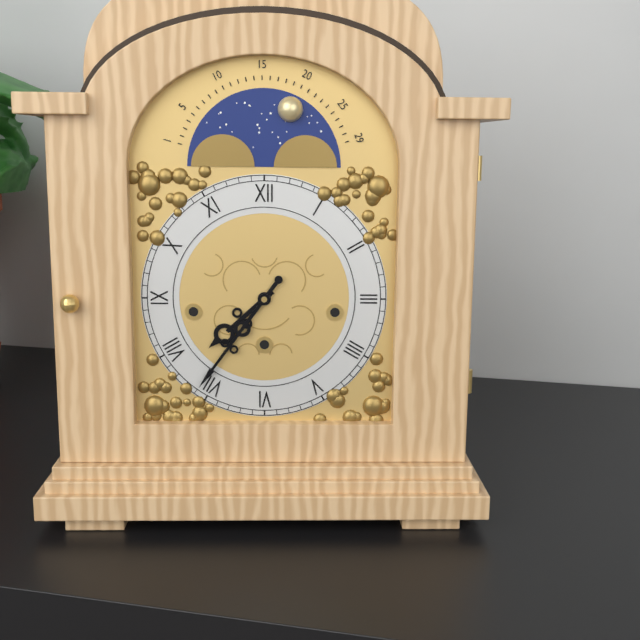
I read 7.36
